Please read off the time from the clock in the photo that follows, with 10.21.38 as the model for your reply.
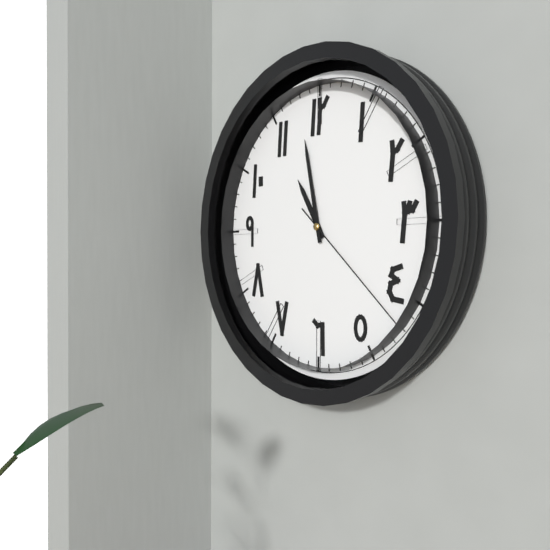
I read 10.58.22
